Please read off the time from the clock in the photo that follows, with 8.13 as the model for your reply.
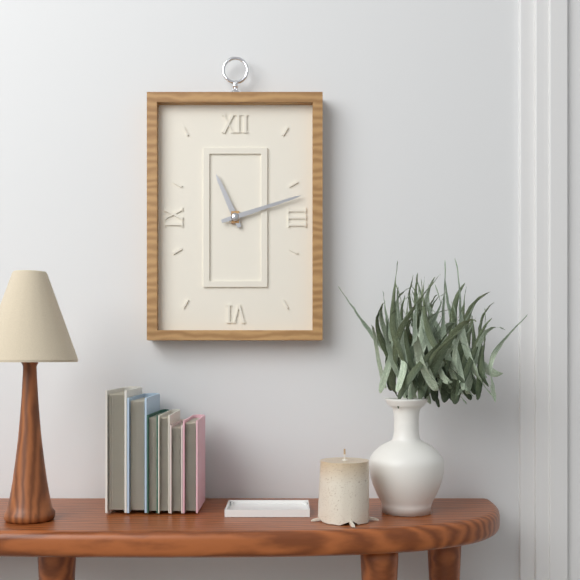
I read 11.12
